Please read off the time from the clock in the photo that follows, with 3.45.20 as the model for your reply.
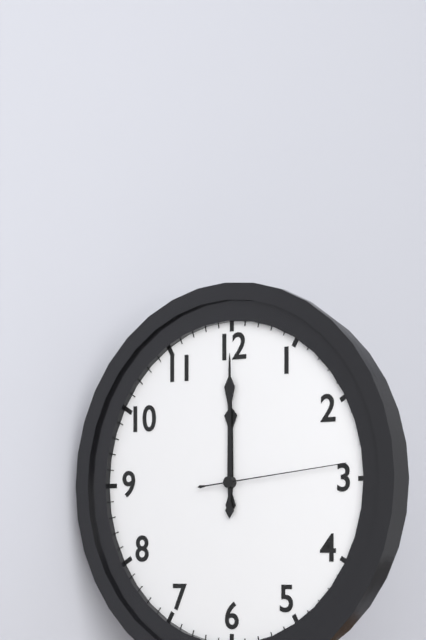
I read 12.00.14
